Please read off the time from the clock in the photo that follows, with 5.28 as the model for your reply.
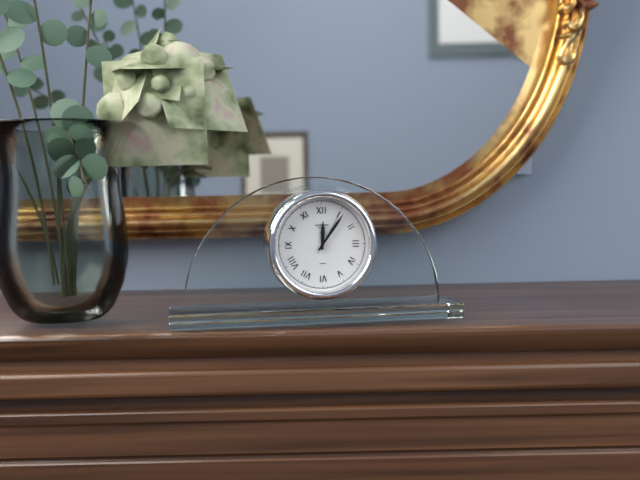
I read 12.06
